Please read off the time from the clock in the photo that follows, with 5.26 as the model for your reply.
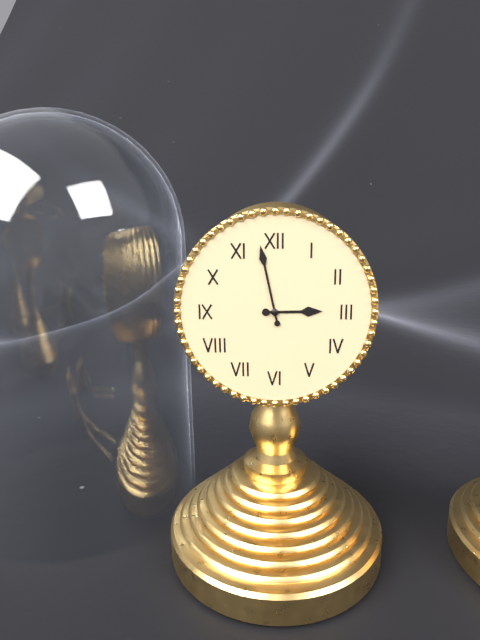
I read 2.58
